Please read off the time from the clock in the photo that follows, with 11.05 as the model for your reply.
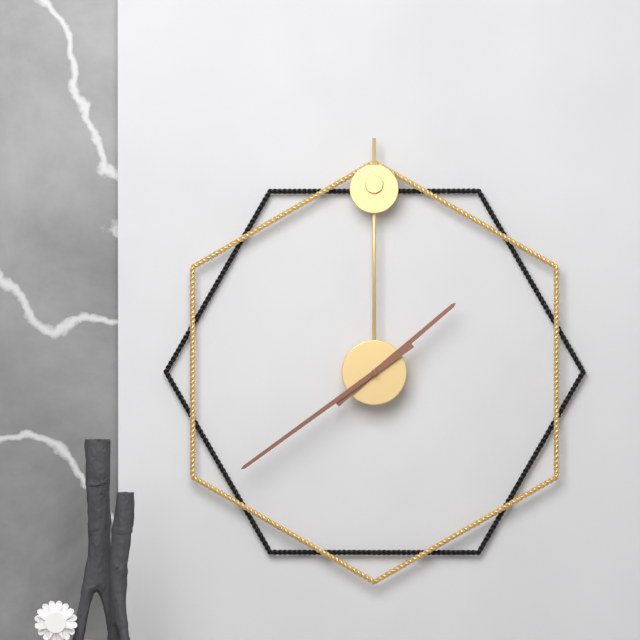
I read 1.39
